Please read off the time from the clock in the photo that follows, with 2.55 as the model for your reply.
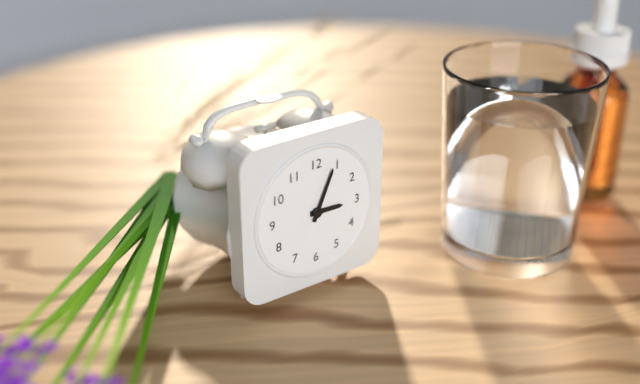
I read 3.04
